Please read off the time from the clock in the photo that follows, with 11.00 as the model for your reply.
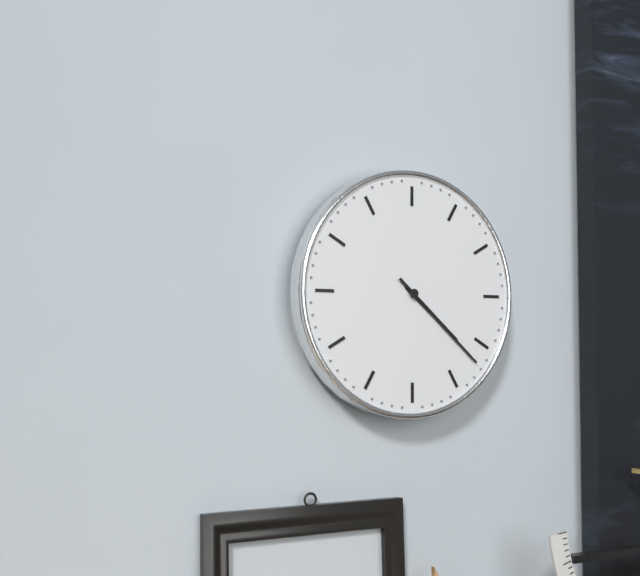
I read 4.22
